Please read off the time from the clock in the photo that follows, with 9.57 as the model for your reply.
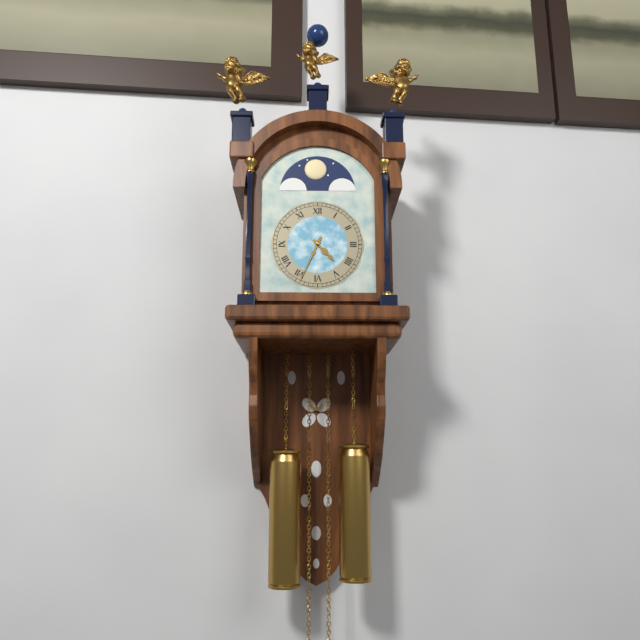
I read 4.34
